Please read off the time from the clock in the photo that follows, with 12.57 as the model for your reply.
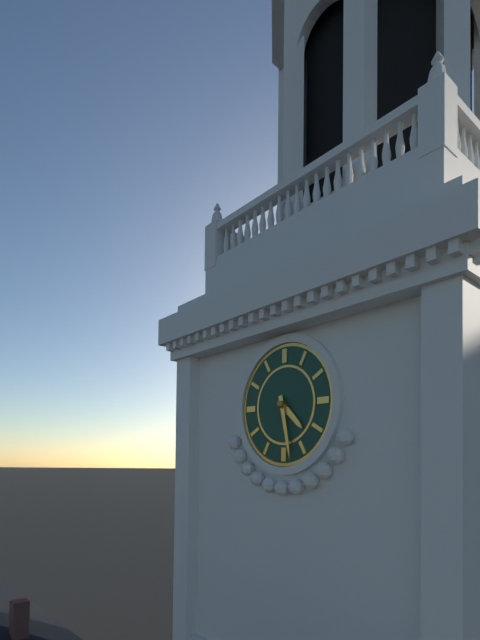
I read 4.28
